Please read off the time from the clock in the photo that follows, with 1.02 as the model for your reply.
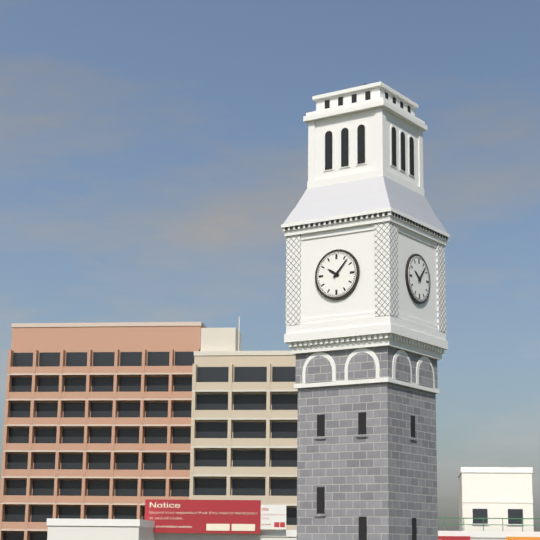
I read 10.07
